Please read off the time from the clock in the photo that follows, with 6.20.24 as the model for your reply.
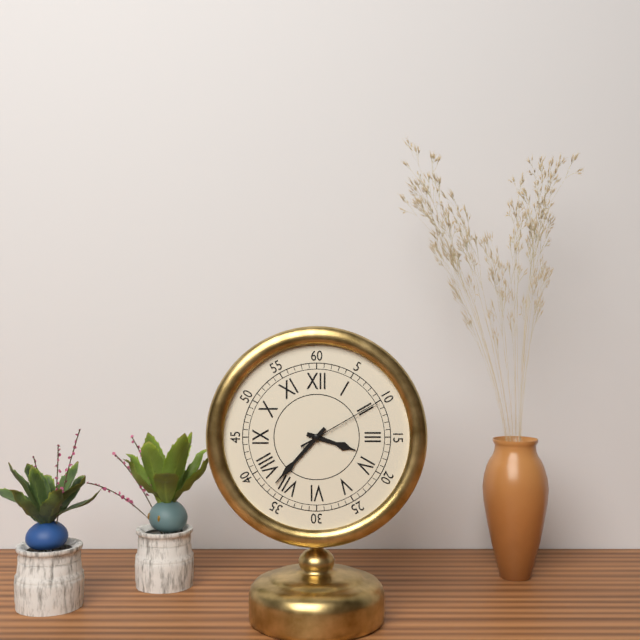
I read 3.37.10
